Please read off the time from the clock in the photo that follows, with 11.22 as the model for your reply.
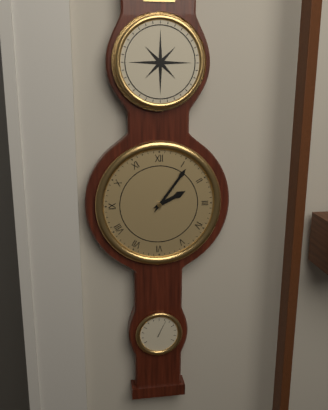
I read 2.06
